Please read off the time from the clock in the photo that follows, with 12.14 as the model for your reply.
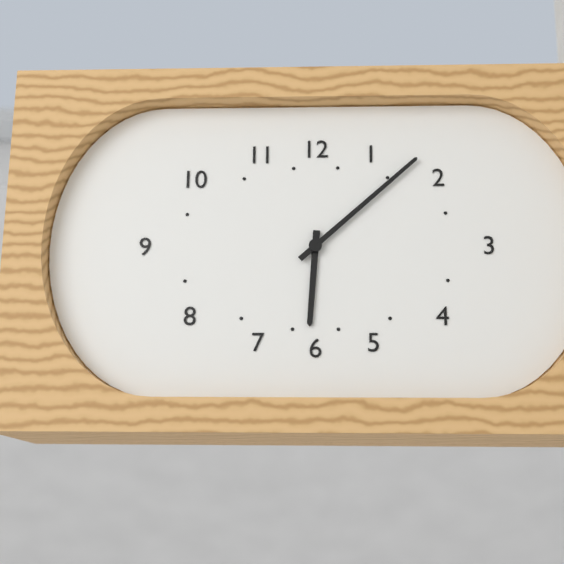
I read 6.08
